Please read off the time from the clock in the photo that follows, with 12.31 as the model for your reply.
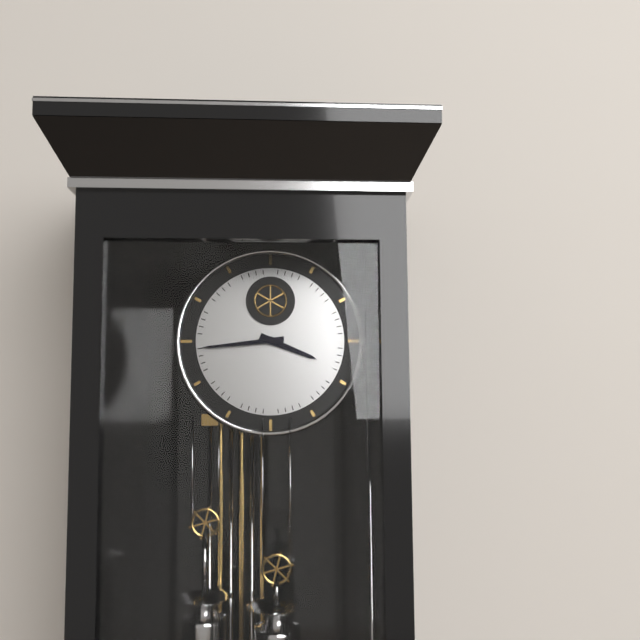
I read 3.44
